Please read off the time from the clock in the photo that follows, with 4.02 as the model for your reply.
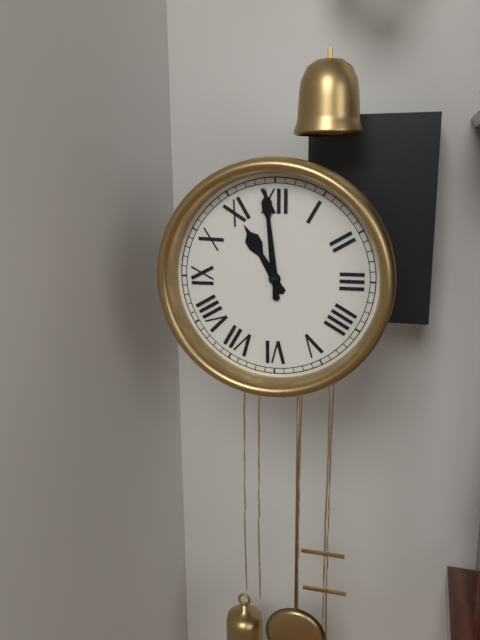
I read 10.59
